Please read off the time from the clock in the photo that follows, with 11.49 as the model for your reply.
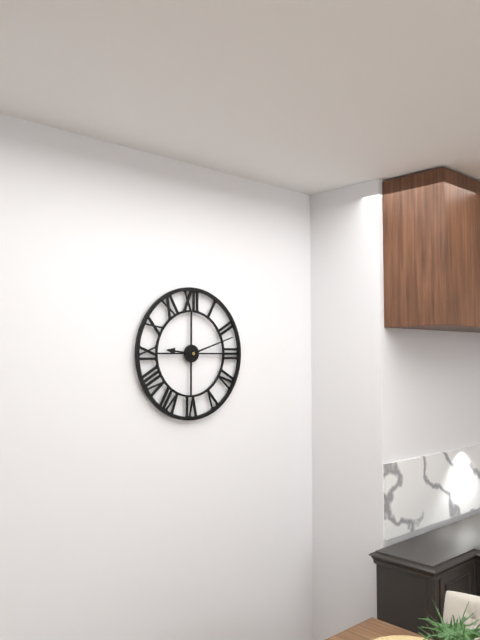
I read 9.12
